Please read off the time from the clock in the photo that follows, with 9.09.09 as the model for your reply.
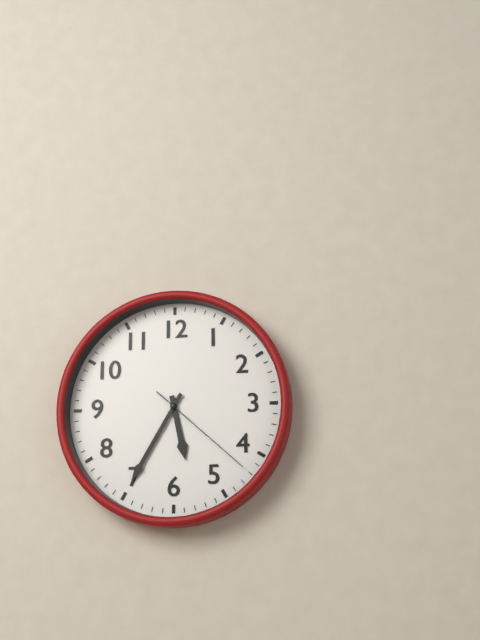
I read 5.35.22
